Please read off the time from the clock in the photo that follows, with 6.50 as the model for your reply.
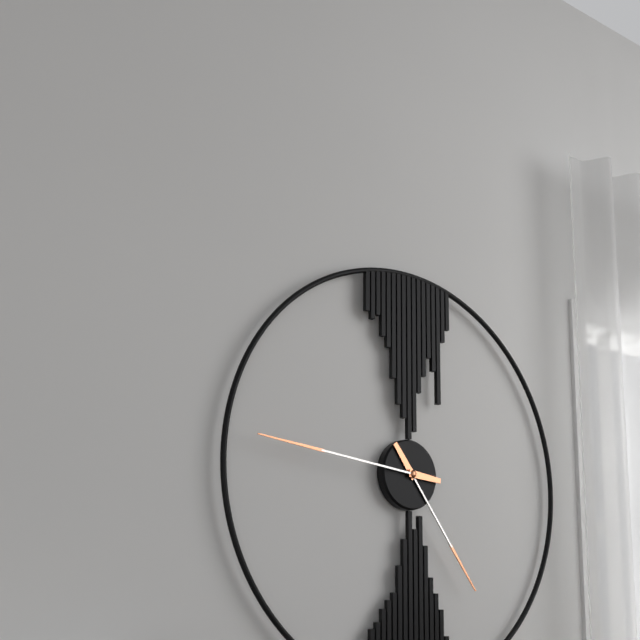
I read 4.46
